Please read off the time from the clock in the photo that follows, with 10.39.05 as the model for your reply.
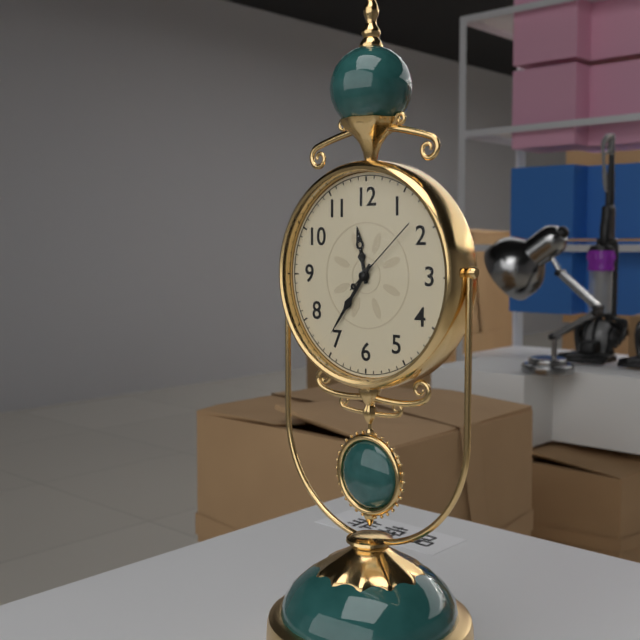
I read 11.36.08
